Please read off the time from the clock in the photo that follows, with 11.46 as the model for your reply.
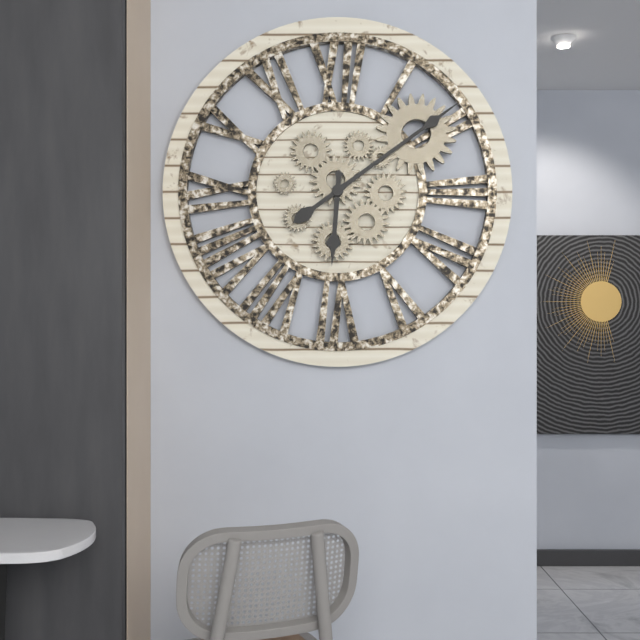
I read 6.09
